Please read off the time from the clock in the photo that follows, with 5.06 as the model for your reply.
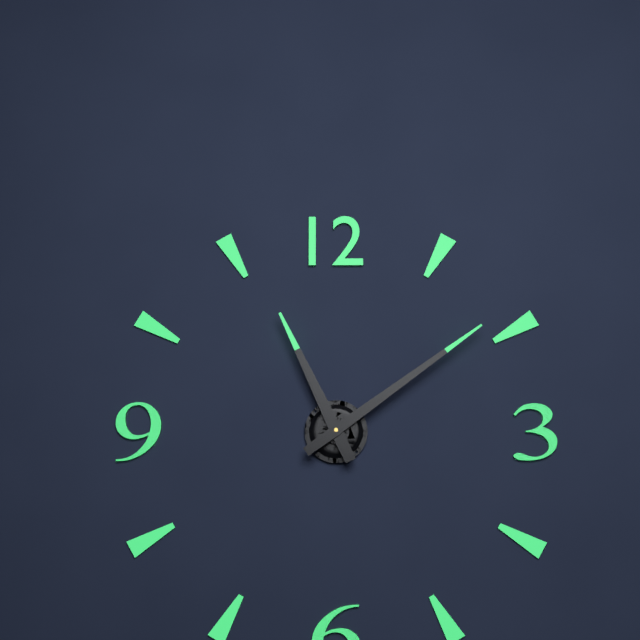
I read 11.09
